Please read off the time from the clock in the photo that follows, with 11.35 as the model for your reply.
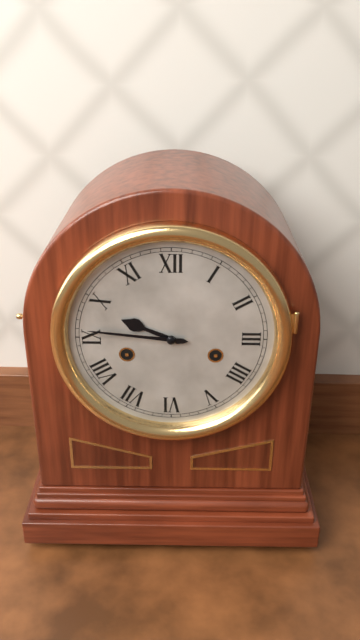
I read 9.46
